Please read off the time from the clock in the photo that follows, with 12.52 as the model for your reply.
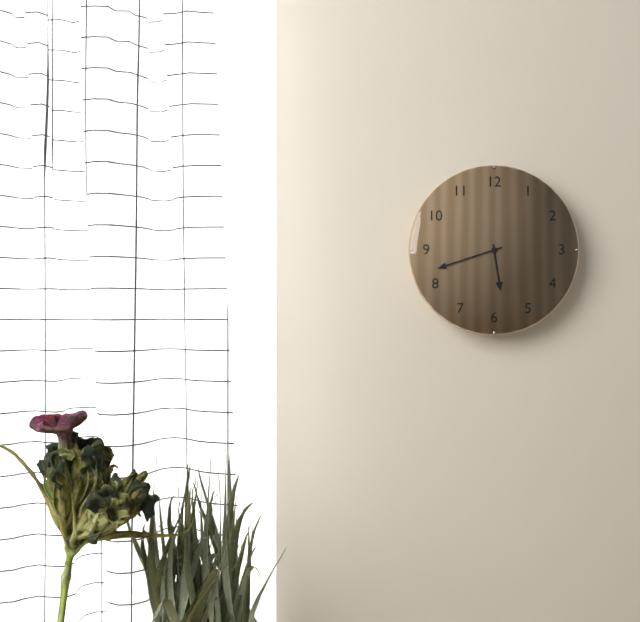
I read 5.42
